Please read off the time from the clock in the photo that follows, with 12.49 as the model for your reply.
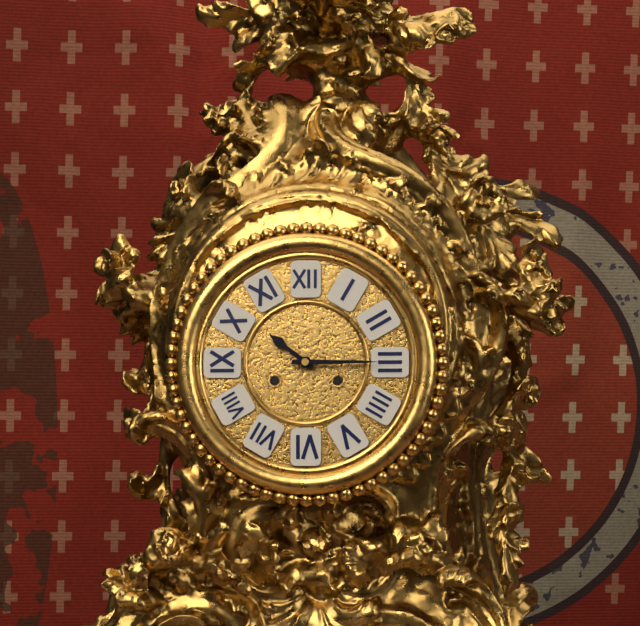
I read 10.15
